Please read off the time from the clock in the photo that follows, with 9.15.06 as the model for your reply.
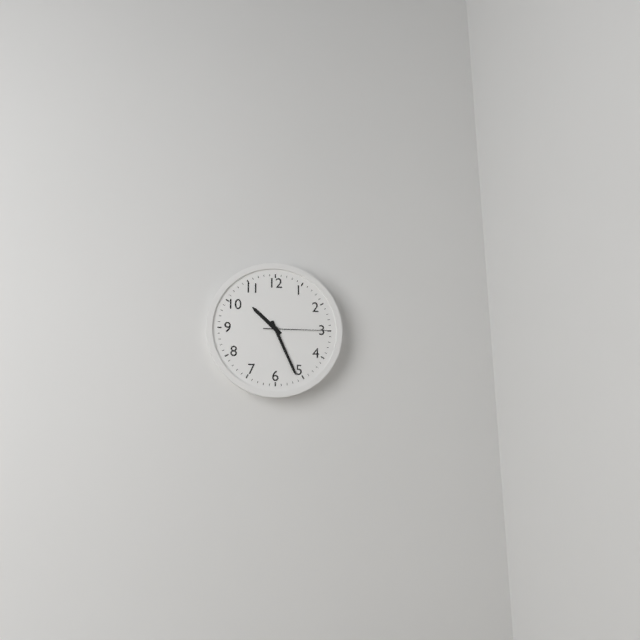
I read 10.26.15
